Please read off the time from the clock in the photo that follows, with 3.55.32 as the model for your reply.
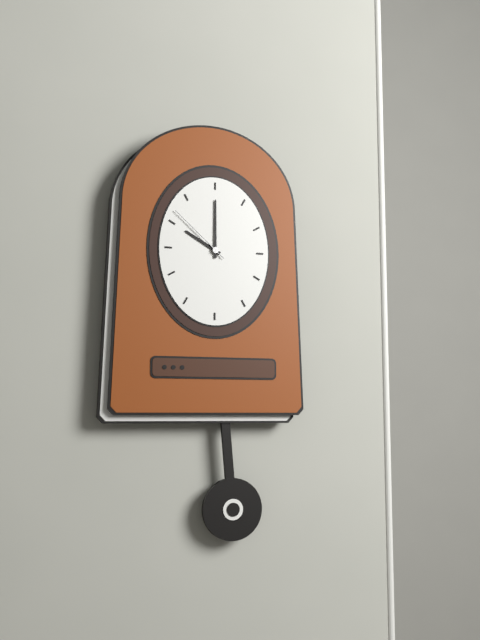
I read 10.00.52
